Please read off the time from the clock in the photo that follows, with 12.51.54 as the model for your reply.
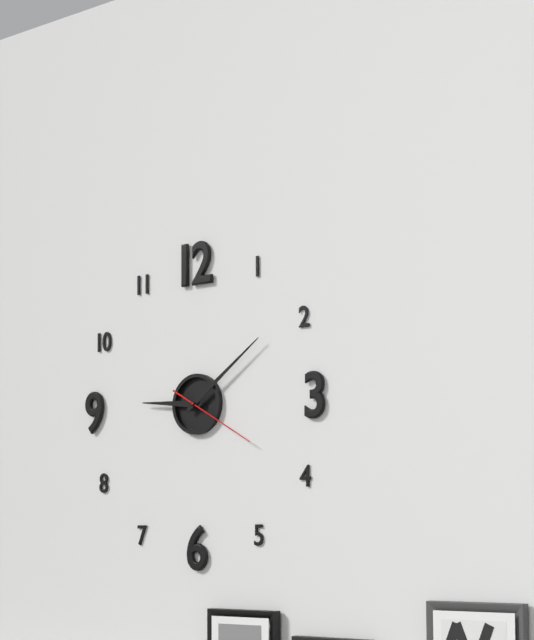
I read 9.09.20
